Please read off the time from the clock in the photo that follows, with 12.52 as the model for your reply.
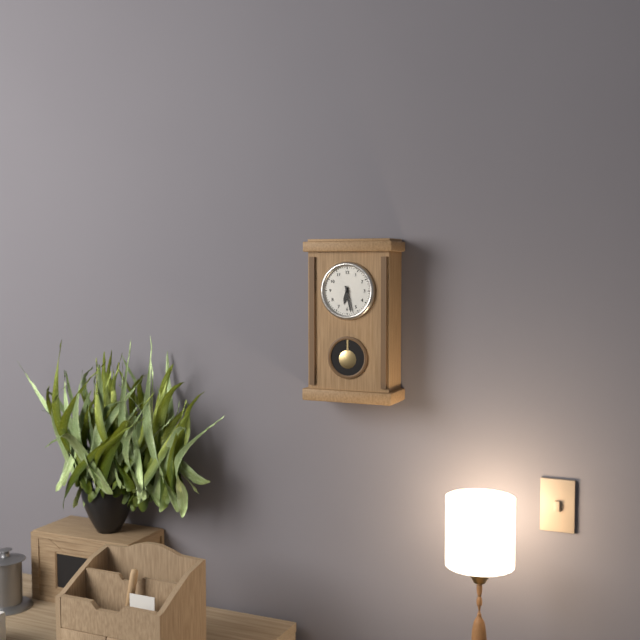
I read 6.28
